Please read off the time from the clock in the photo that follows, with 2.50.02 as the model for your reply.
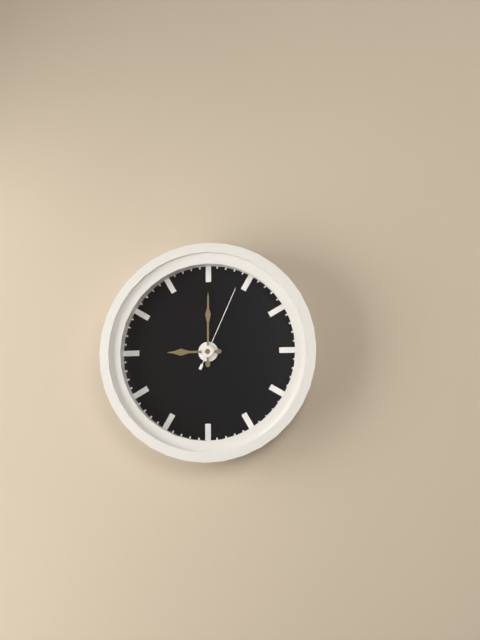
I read 9.00.04
